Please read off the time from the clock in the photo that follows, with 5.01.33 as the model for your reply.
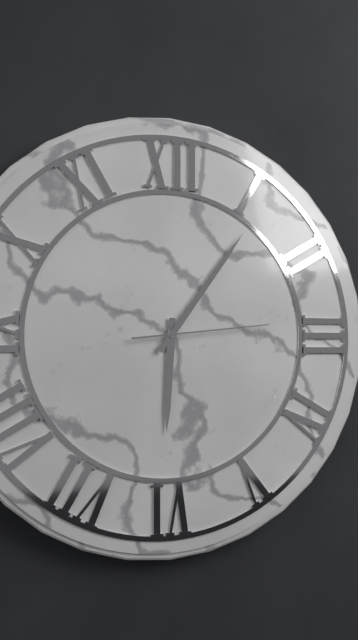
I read 6.06.14
